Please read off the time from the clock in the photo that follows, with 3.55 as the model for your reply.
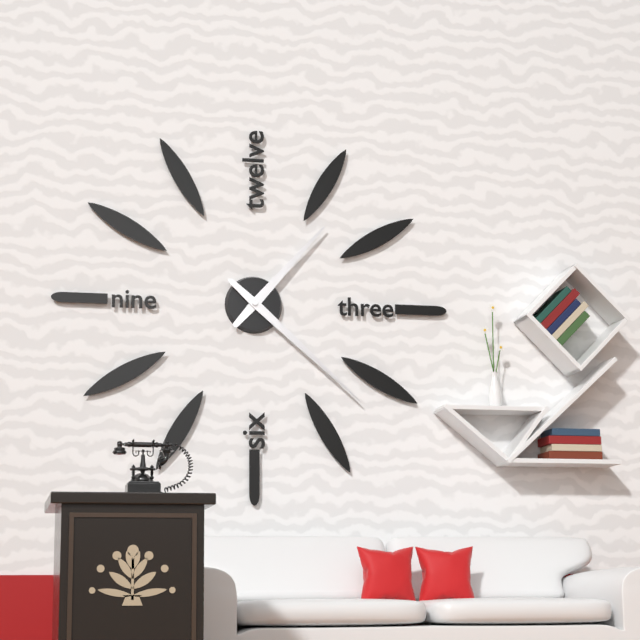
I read 1.22
